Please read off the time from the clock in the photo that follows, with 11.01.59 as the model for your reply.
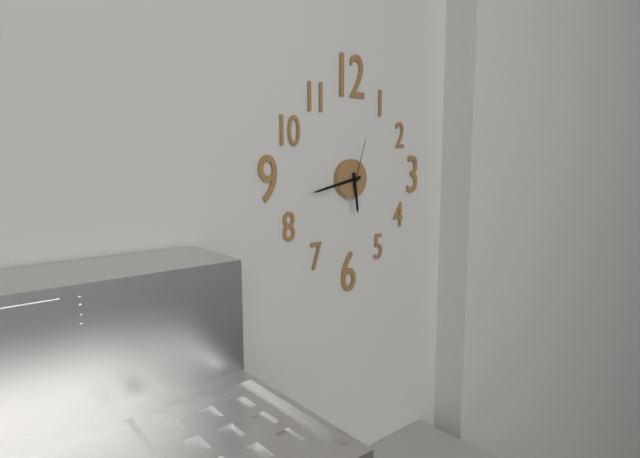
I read 5.43.03
